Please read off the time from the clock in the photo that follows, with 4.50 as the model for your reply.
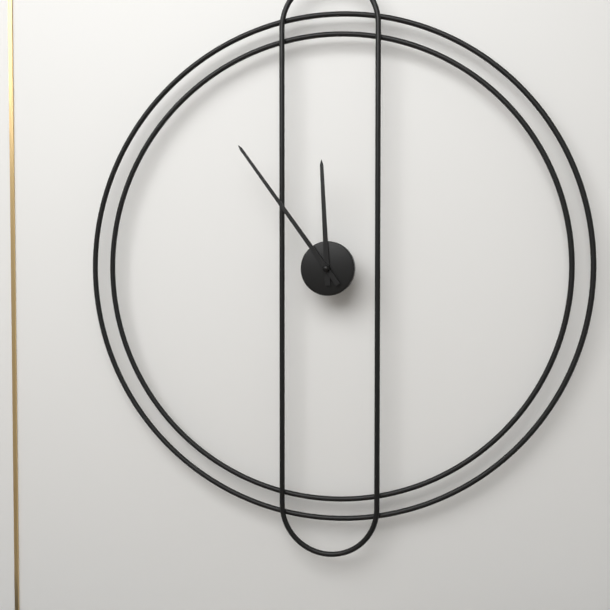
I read 11.54
